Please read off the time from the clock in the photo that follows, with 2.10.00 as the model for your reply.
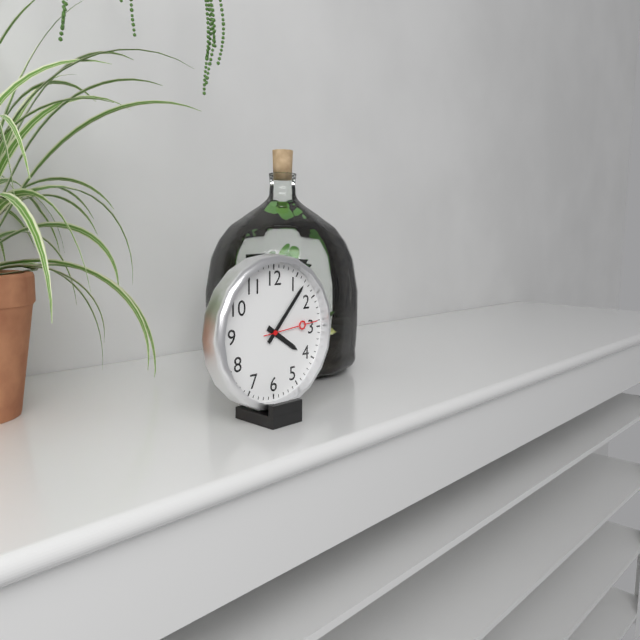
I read 4.07.14
